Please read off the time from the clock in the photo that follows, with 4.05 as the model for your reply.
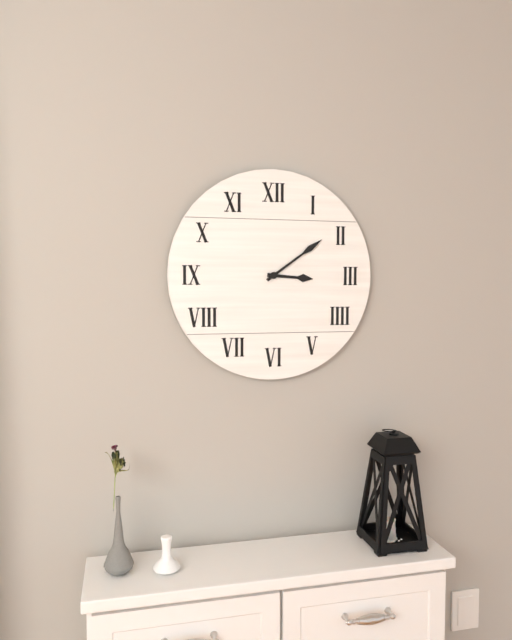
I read 3.09
